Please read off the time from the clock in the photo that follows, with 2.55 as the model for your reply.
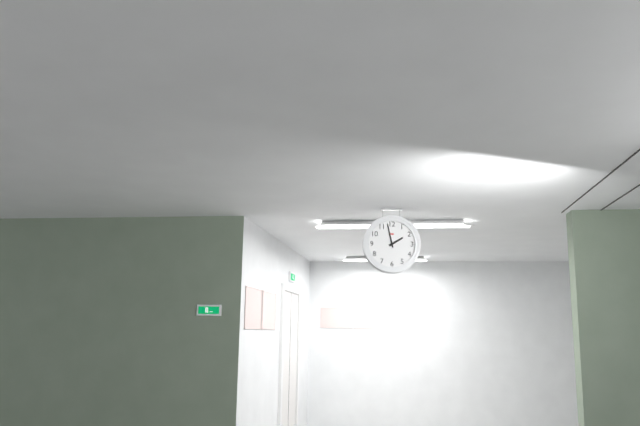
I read 1.58
